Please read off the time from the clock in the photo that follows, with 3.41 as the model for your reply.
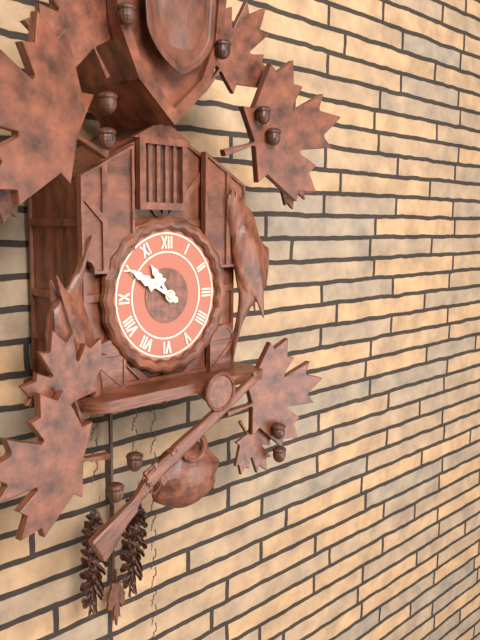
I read 10.50
